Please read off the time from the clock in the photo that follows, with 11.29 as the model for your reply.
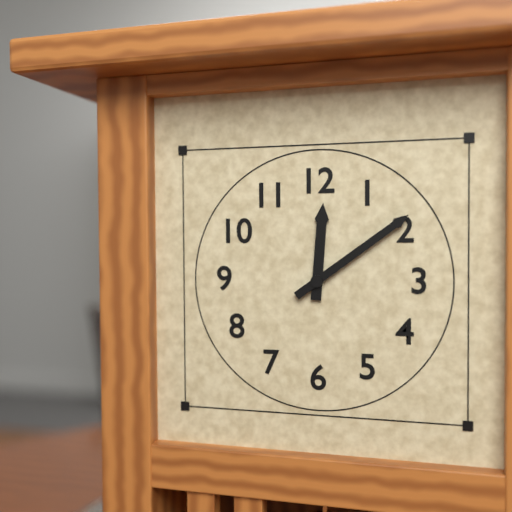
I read 12.09
